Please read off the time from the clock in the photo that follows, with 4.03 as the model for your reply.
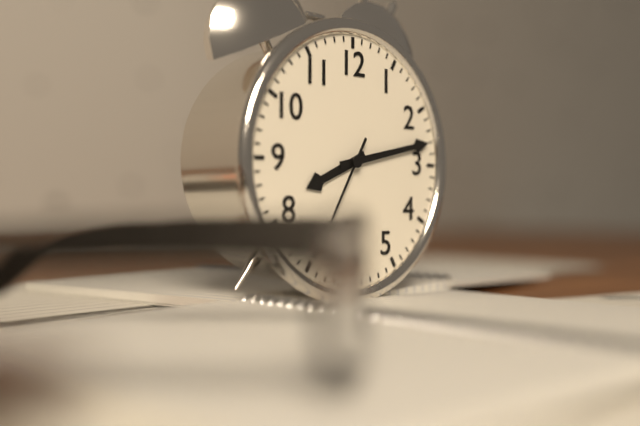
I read 8.13
